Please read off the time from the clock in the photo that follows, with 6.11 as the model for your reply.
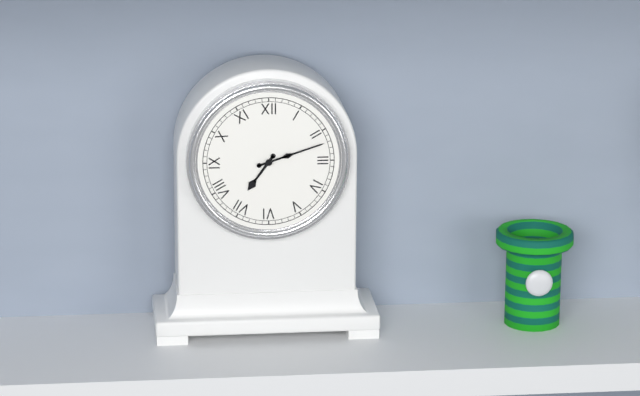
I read 7.12
